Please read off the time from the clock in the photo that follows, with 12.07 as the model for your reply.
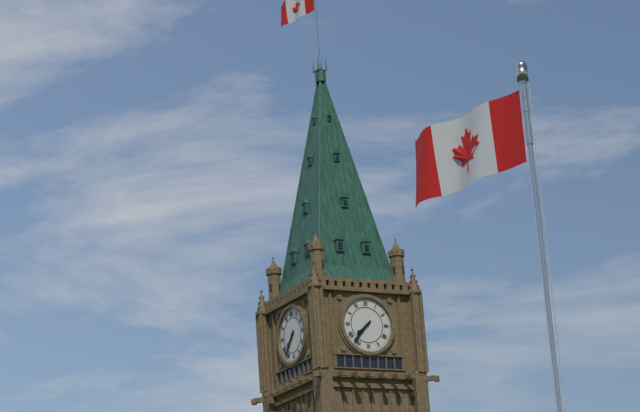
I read 7.37
